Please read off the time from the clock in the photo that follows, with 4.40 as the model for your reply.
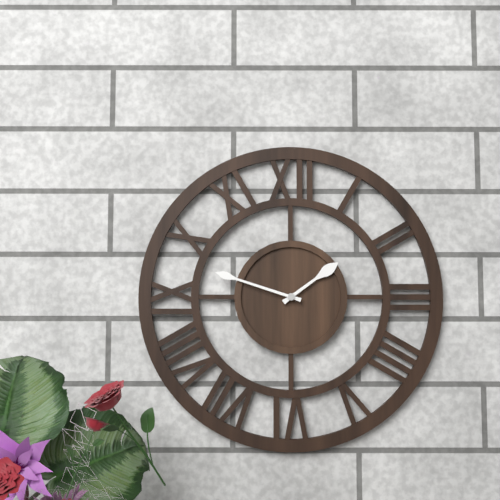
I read 1.48
